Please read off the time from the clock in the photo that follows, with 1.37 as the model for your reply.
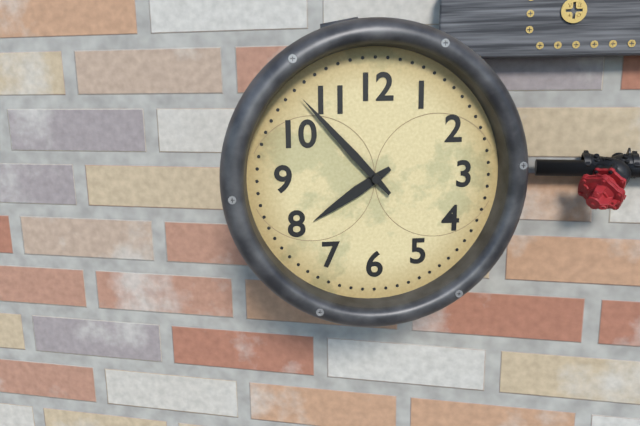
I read 7.53
